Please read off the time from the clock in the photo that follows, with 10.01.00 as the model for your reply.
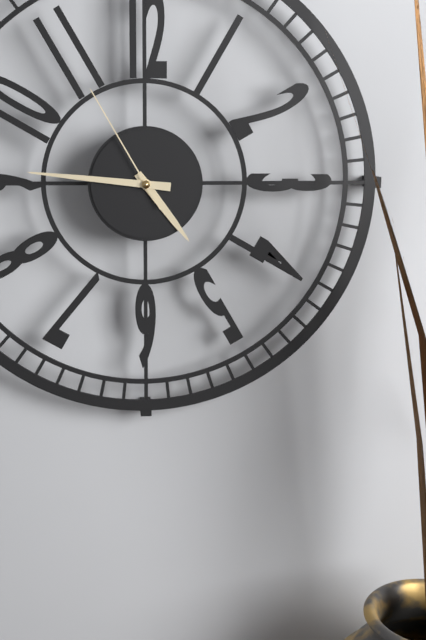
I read 4.46.55
